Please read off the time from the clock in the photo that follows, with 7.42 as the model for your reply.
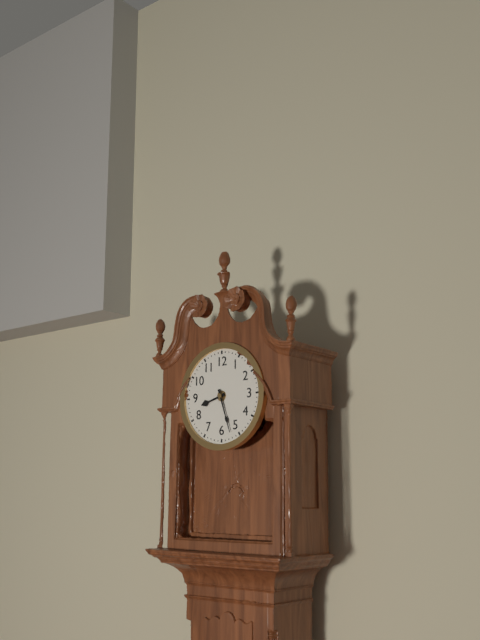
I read 8.27
